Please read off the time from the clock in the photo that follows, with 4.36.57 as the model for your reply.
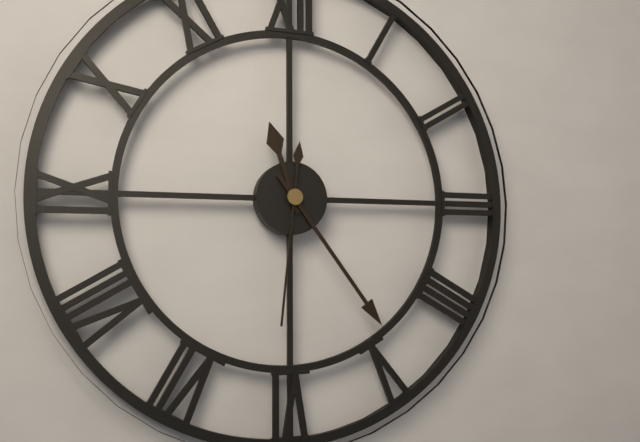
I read 11.24.31
